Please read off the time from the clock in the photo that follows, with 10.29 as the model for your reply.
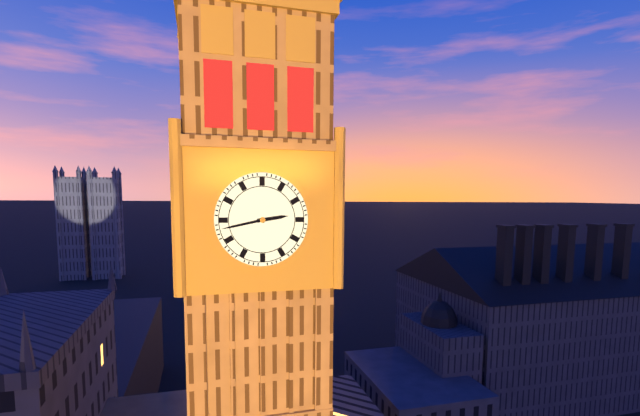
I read 2.43
